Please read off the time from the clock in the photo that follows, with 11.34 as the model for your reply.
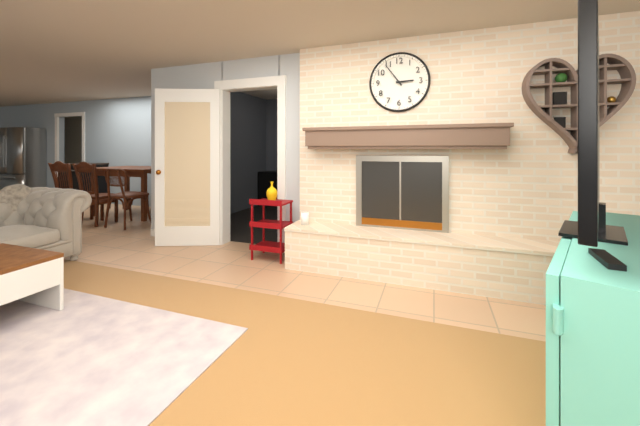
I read 2.54
